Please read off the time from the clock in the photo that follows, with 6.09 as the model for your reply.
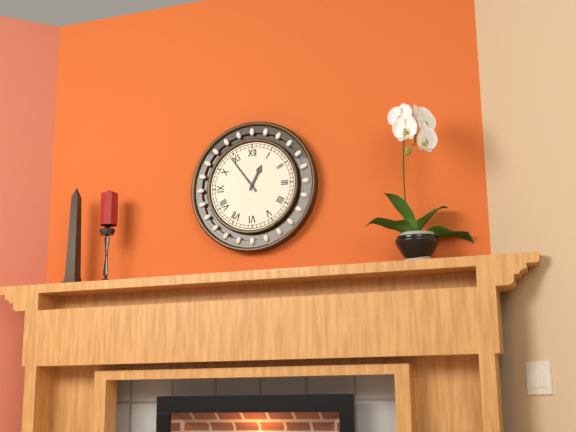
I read 12.54
